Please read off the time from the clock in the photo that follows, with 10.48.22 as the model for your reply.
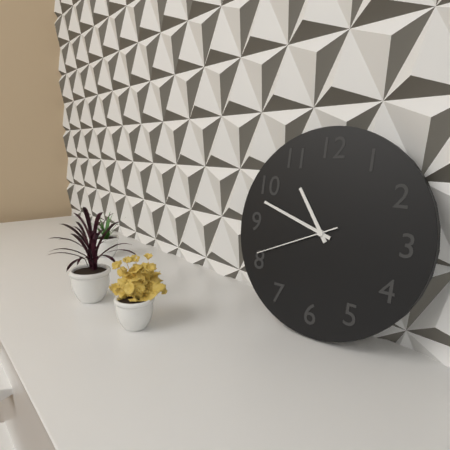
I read 10.48.41
